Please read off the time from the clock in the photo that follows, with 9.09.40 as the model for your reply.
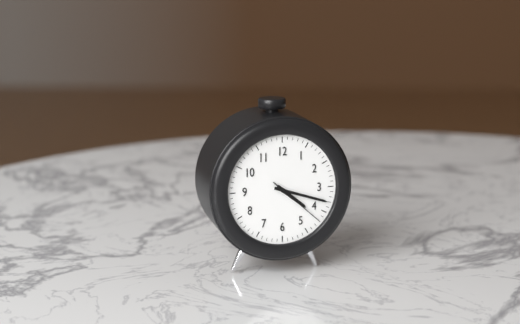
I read 4.18.22
